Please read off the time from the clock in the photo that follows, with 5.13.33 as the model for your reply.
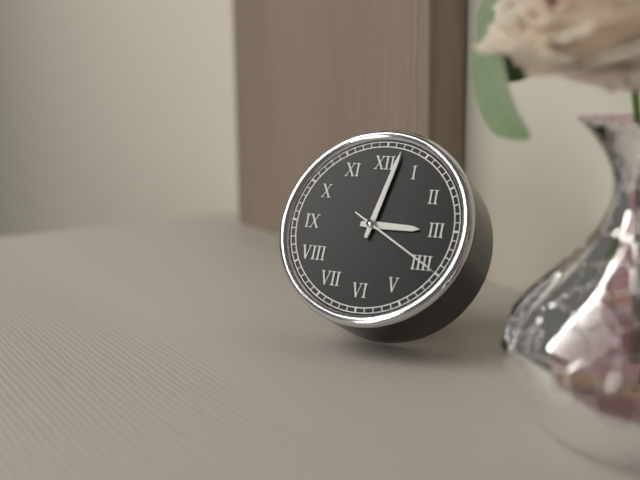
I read 3.02.20
